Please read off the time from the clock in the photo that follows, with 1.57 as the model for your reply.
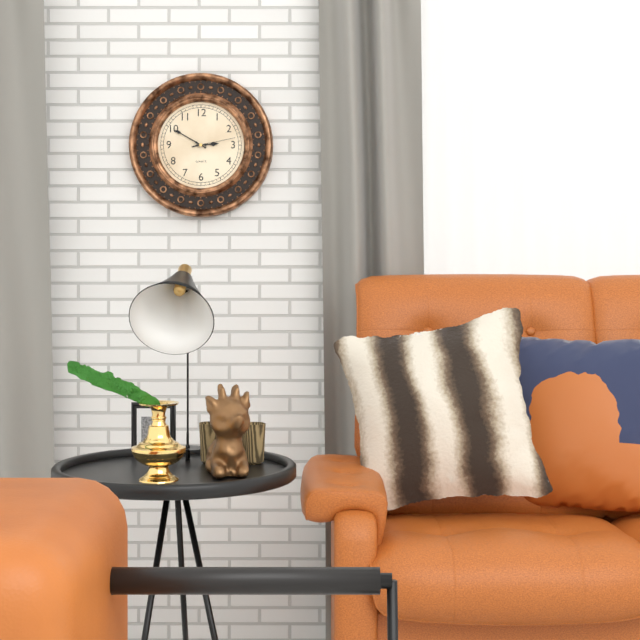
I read 2.50
